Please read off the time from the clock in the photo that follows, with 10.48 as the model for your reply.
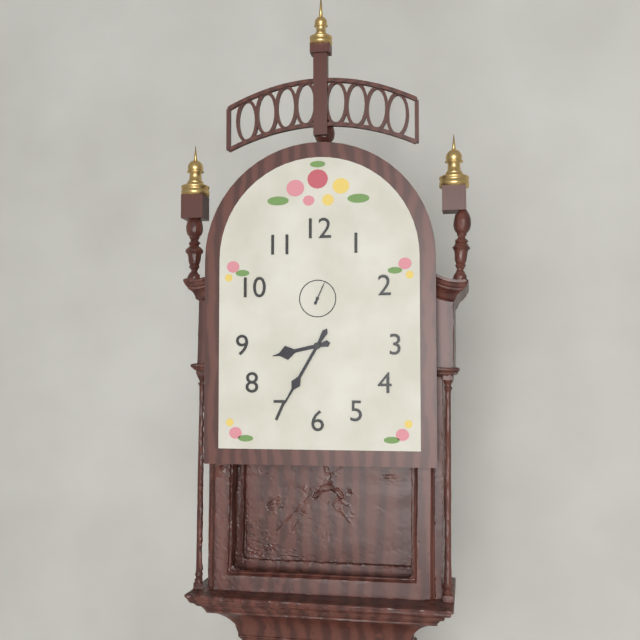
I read 8.35
